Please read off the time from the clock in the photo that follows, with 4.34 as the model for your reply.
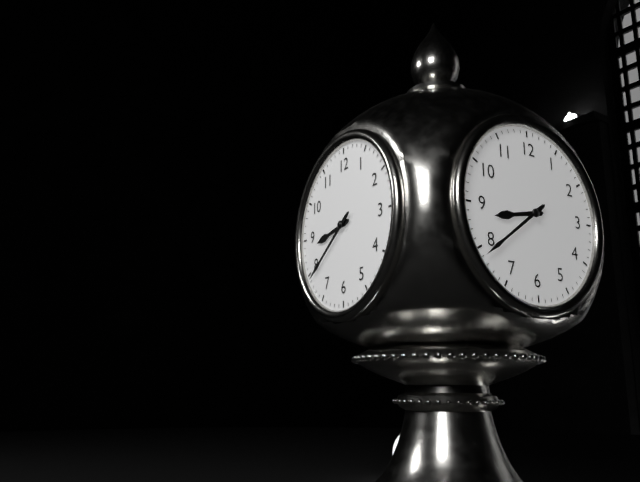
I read 8.39
